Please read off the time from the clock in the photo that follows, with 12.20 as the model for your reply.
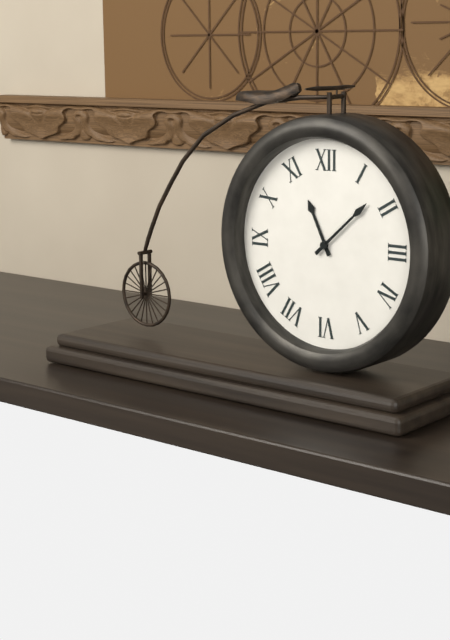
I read 11.08
